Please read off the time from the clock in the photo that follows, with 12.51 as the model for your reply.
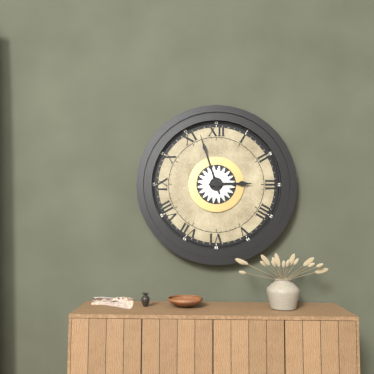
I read 2.57
